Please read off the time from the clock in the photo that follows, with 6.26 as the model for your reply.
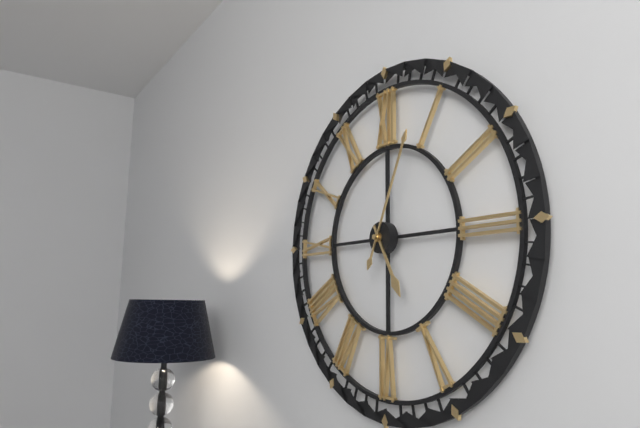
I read 5.04
